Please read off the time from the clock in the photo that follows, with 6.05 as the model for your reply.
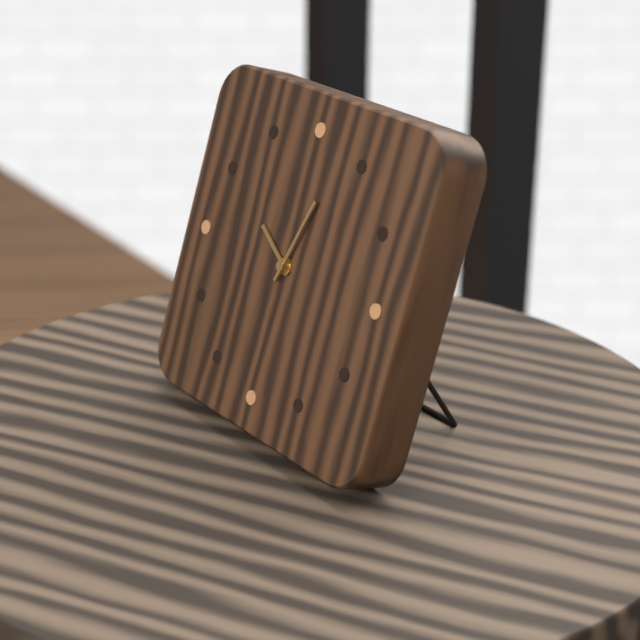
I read 10.03
